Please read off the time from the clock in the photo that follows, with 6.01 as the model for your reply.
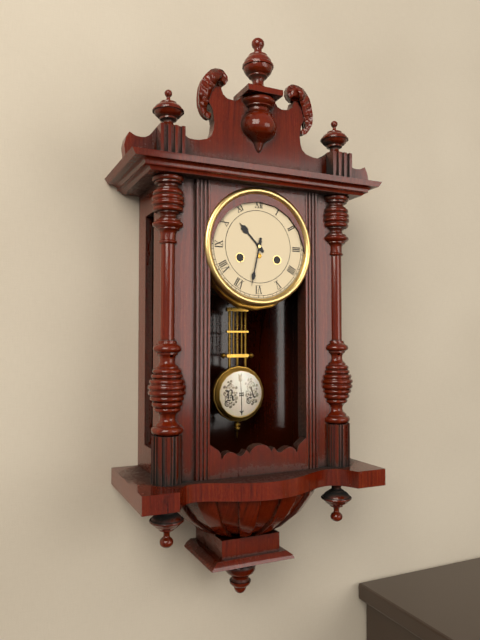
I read 10.32
